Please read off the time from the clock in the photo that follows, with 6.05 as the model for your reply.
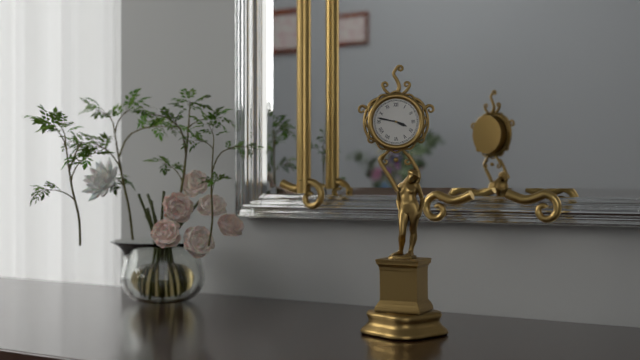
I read 3.47
